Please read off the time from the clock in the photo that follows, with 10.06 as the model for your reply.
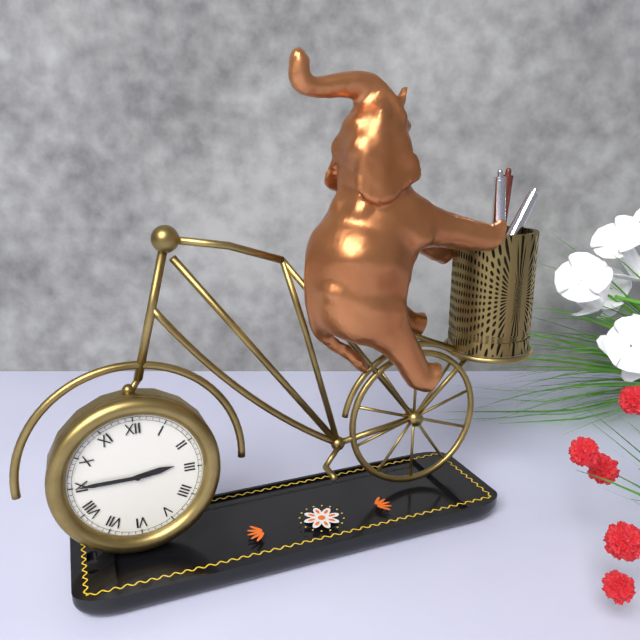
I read 2.45
